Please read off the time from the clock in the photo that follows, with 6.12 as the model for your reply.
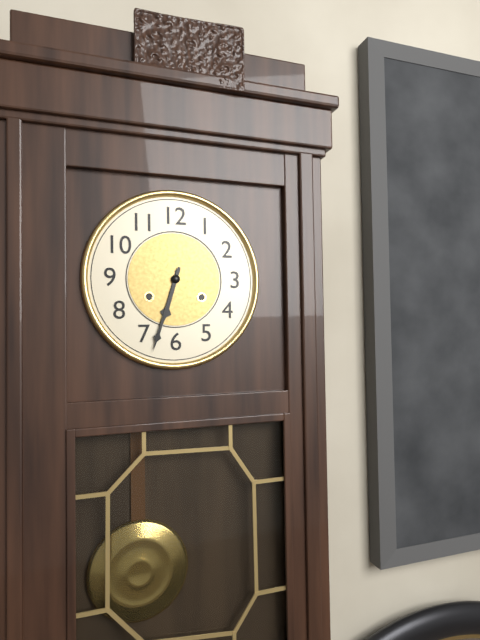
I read 6.33
